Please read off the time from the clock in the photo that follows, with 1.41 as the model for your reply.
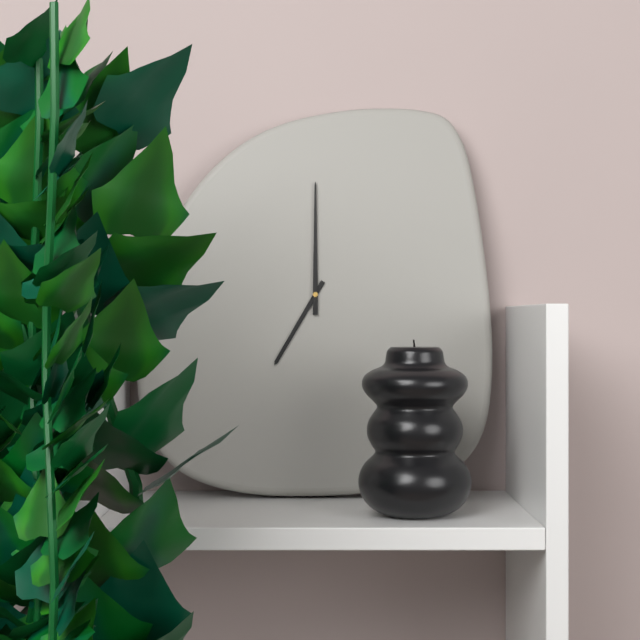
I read 7.00
